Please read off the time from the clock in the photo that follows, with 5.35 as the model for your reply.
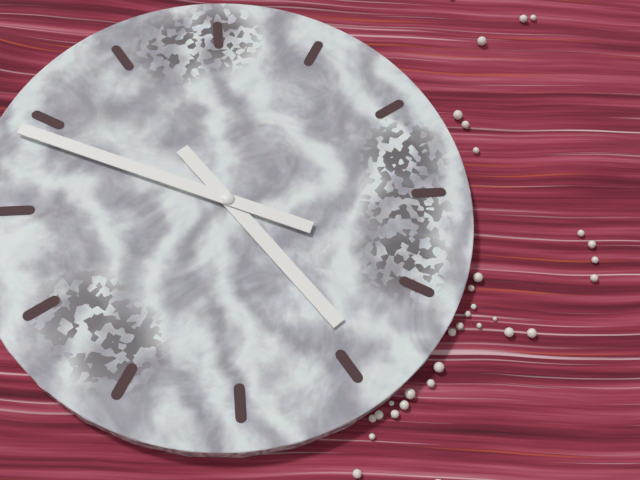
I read 4.49
